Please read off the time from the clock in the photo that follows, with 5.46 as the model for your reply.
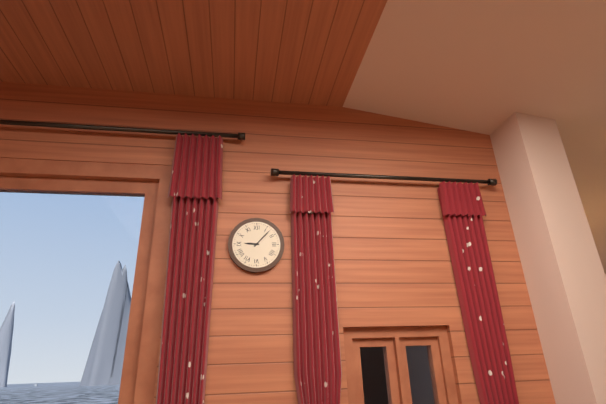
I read 9.07
